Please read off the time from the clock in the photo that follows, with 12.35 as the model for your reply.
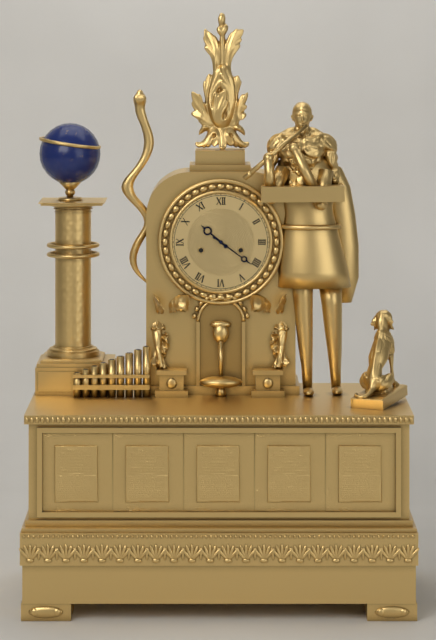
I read 10.21
